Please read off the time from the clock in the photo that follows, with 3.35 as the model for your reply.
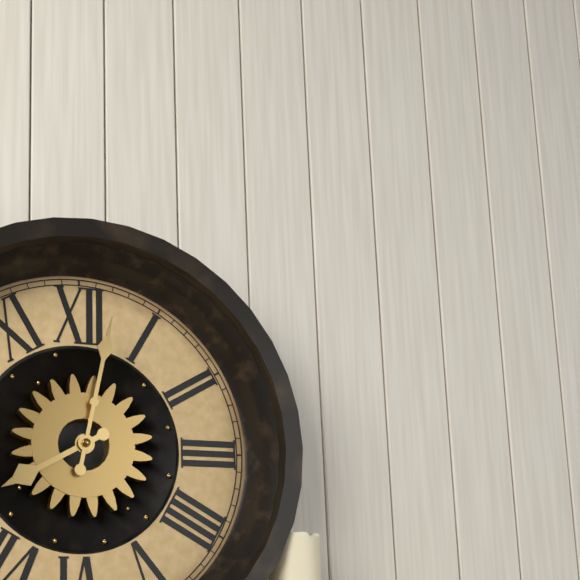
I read 8.02
